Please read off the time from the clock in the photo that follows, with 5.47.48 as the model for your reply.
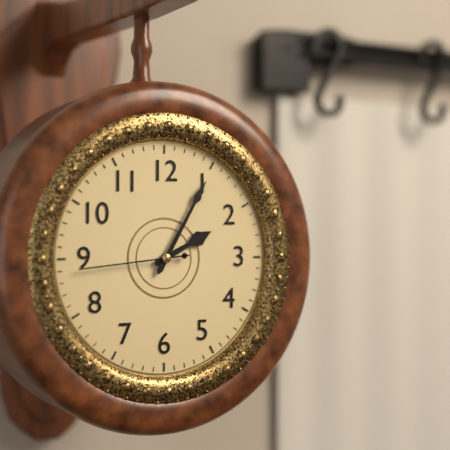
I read 2.05.44
